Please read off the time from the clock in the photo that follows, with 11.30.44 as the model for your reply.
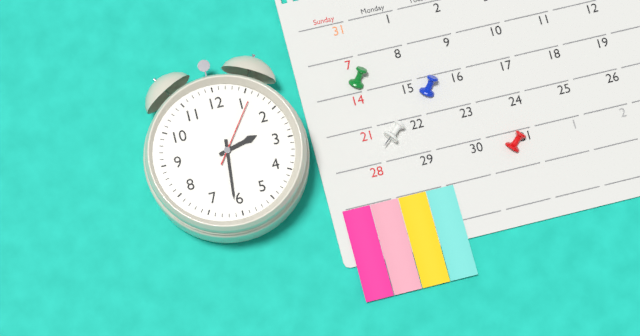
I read 2.31.06
